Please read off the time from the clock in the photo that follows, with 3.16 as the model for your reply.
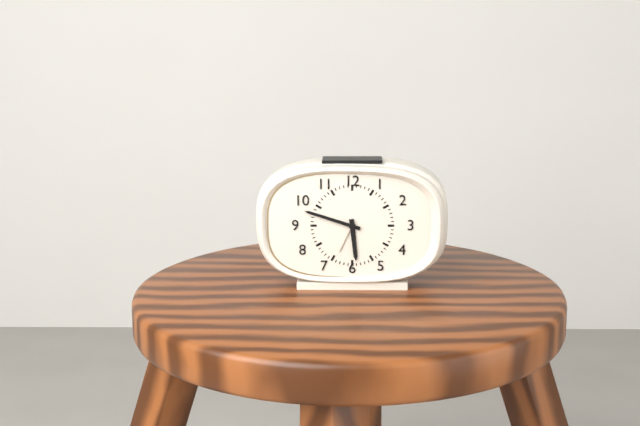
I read 5.48
